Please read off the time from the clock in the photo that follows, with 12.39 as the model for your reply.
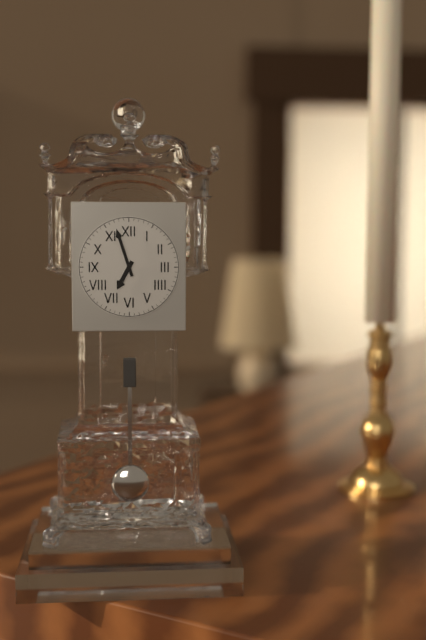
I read 6.57
